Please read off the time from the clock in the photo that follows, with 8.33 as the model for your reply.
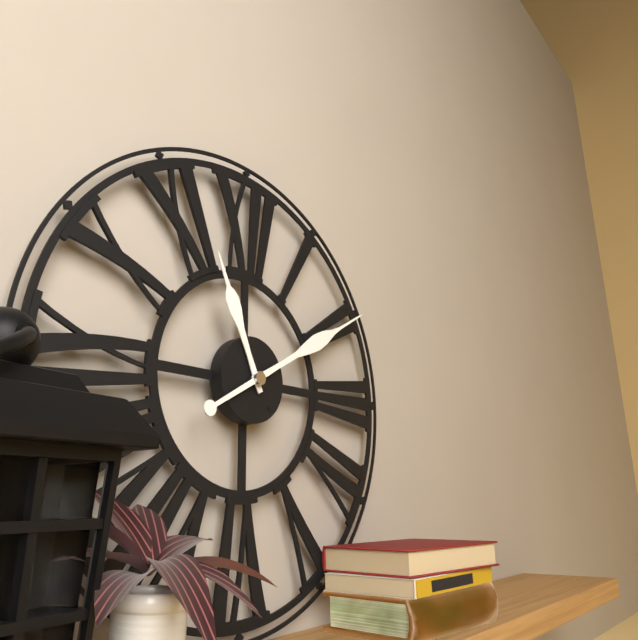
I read 11.10
